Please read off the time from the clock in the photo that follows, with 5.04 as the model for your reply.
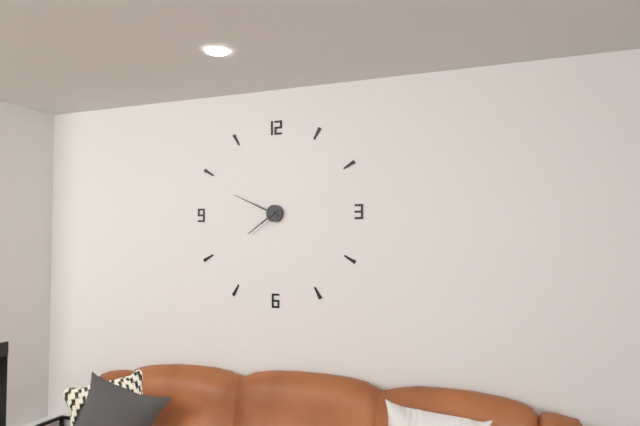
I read 7.49
